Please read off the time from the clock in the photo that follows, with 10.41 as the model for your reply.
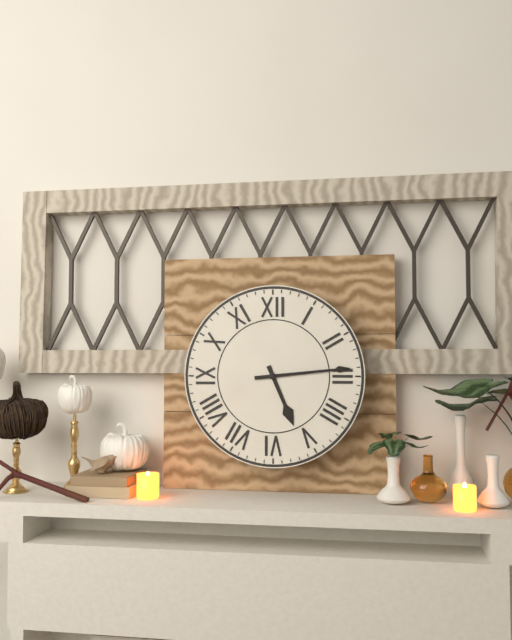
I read 5.14
